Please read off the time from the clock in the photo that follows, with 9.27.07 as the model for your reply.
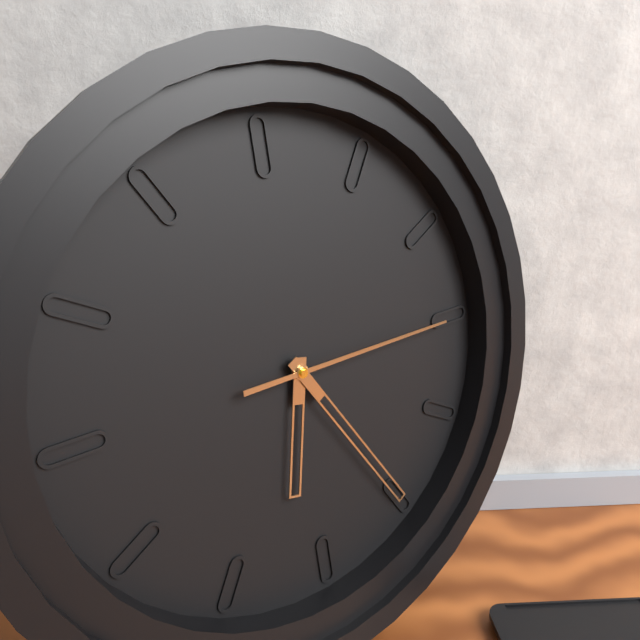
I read 6.25.15
